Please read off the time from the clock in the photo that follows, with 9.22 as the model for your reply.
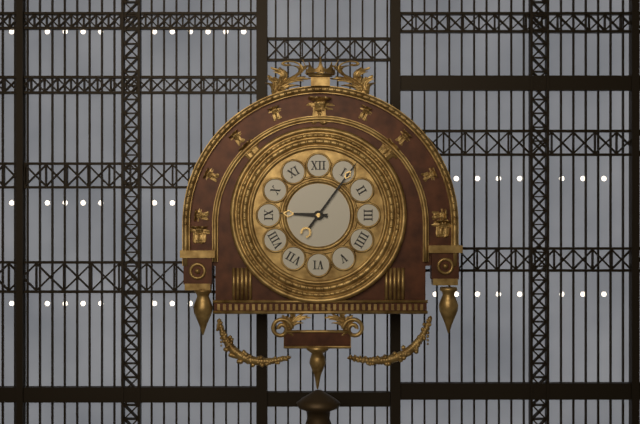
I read 9.06
